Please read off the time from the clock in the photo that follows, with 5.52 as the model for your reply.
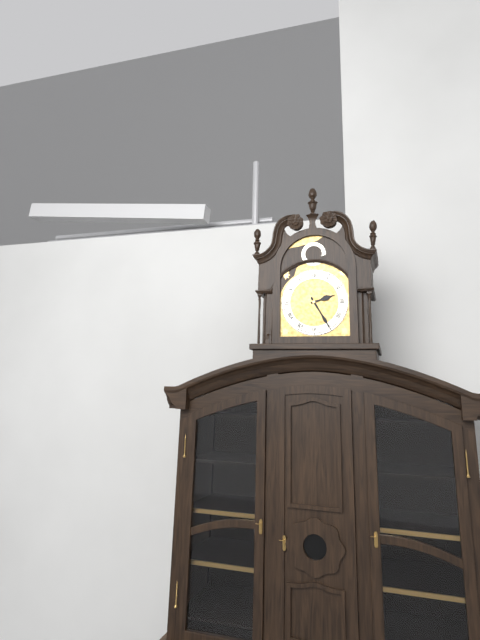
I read 2.25
